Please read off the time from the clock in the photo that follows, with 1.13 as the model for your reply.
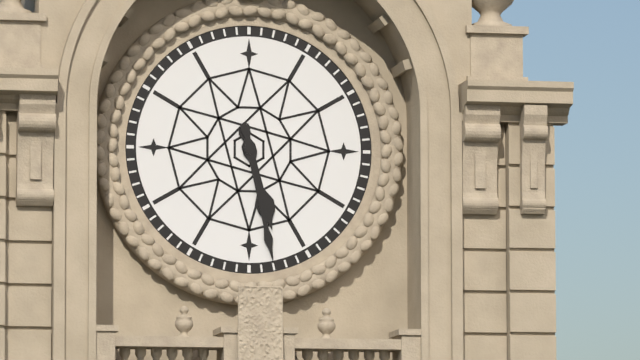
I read 5.28
